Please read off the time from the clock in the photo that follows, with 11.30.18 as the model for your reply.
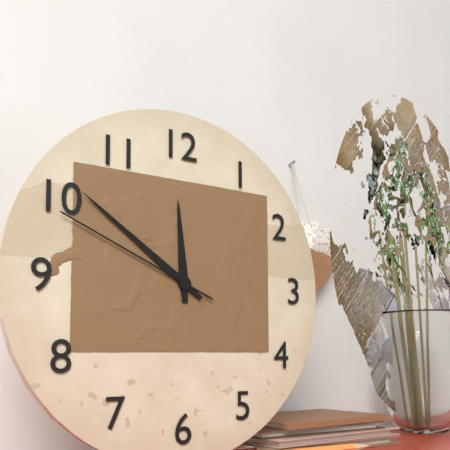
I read 11.51.49
